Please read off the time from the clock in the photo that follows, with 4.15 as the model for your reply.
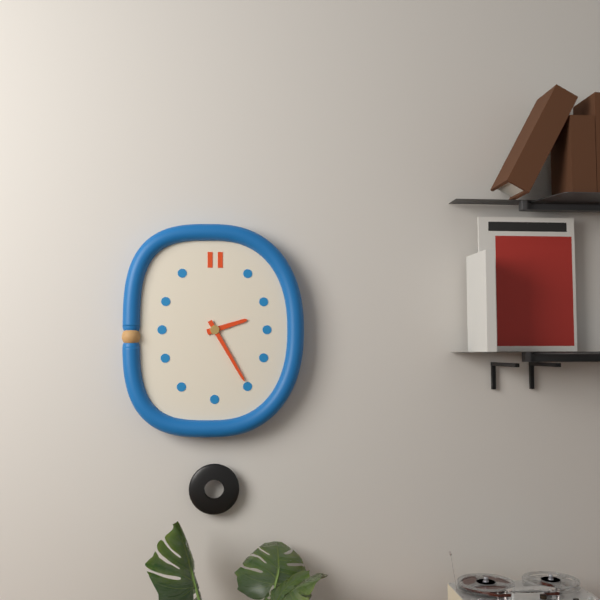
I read 2.25
